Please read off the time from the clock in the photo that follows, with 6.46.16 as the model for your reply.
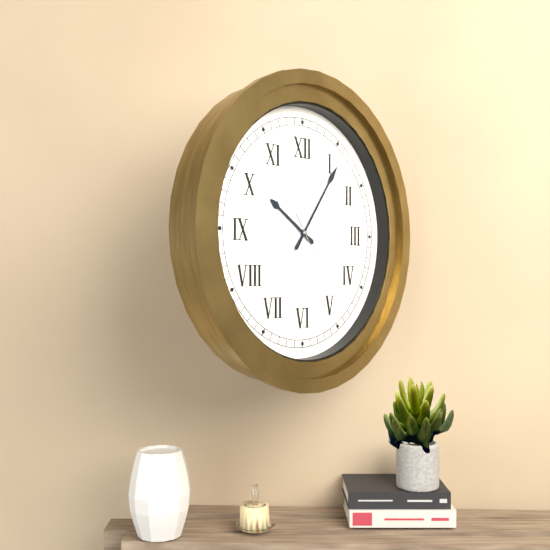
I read 10.06.24
